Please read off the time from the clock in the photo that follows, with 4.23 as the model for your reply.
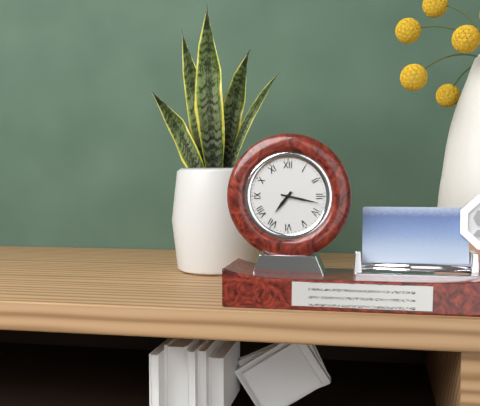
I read 7.17
